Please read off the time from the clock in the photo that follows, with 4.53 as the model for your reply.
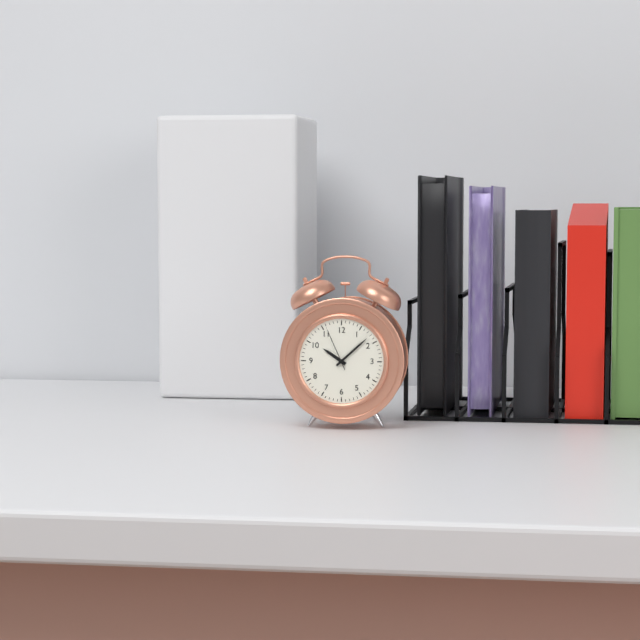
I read 10.08
